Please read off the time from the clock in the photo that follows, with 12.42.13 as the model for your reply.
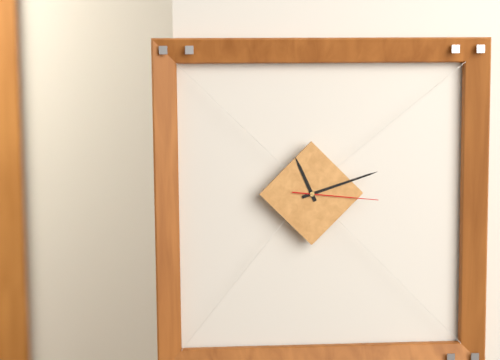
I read 11.12.16
